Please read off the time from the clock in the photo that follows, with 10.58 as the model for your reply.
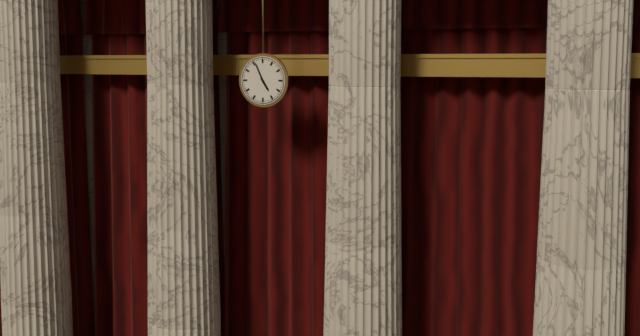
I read 4.56
